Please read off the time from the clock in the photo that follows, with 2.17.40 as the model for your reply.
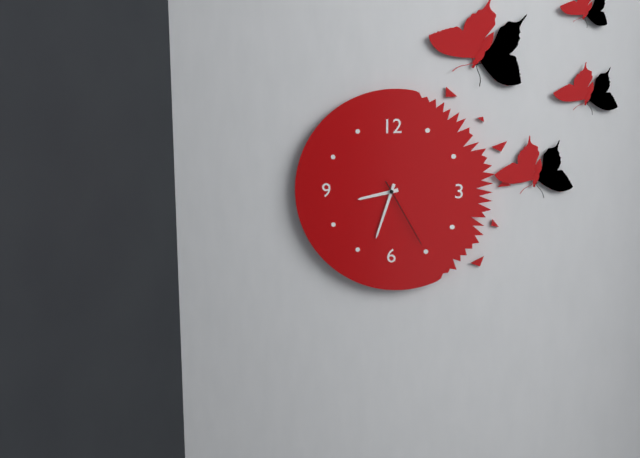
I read 8.33.25
